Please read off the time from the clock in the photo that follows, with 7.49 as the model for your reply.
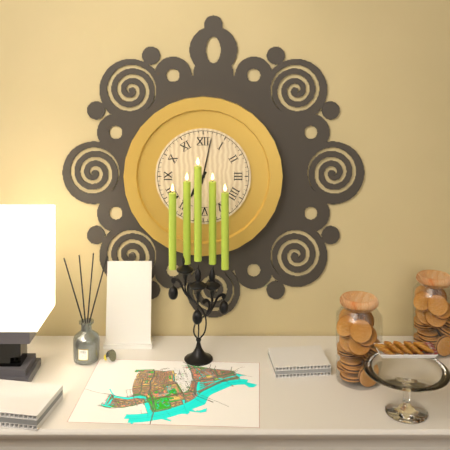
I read 7.02
